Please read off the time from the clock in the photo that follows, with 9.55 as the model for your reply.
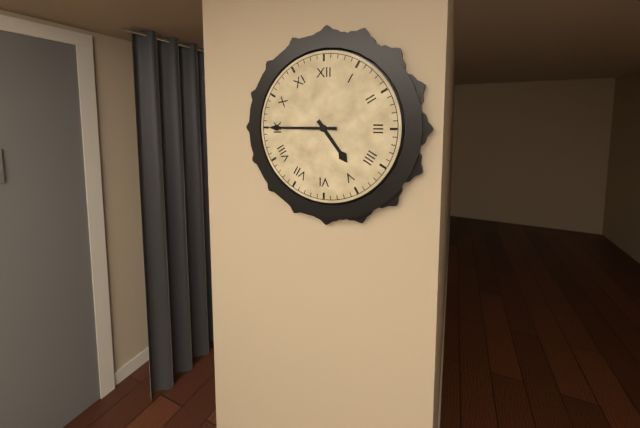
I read 4.45
